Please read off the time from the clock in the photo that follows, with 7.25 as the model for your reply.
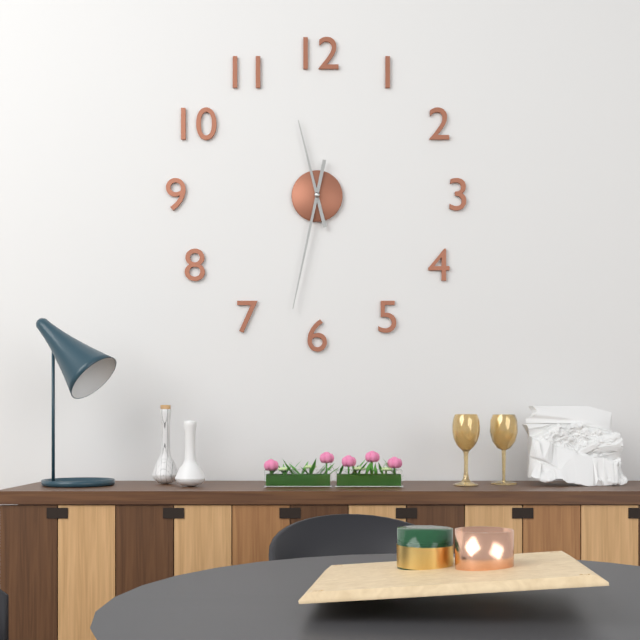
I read 11.32
